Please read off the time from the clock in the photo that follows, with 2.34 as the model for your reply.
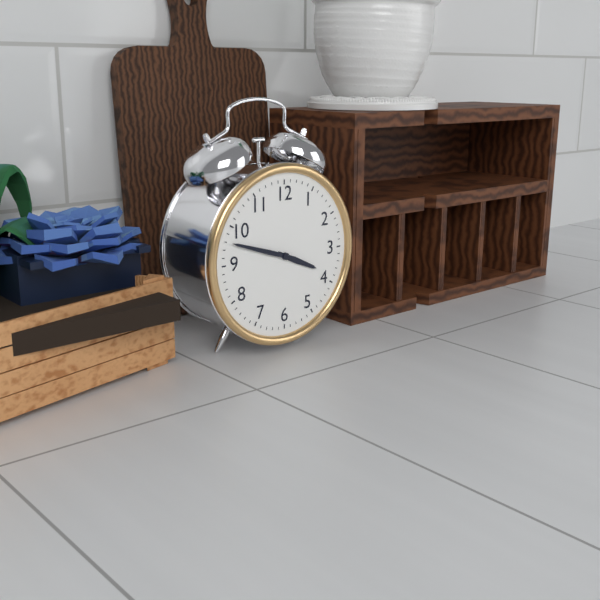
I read 3.48
